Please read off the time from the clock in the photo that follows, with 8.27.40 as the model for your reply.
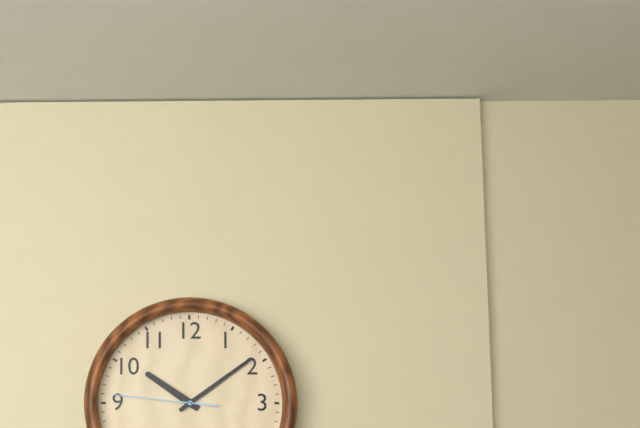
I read 10.09.46
